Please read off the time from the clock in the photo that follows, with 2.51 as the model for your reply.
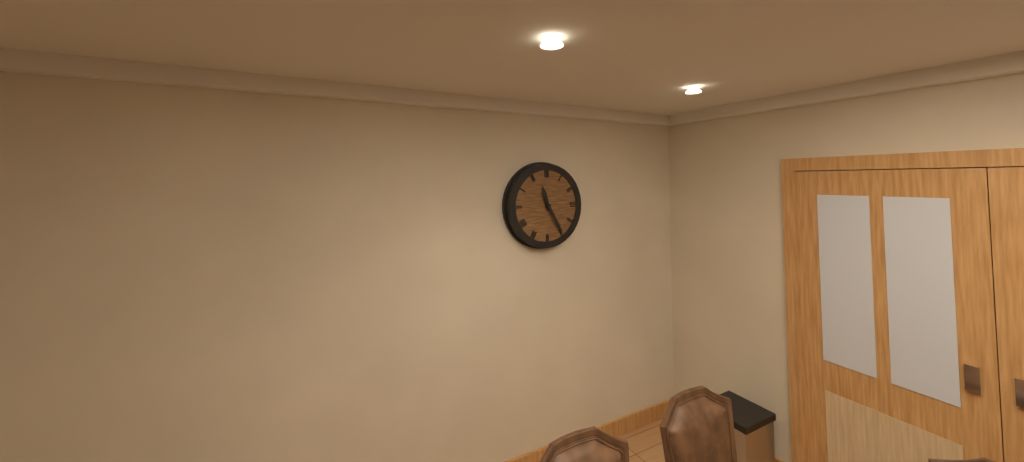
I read 11.25
